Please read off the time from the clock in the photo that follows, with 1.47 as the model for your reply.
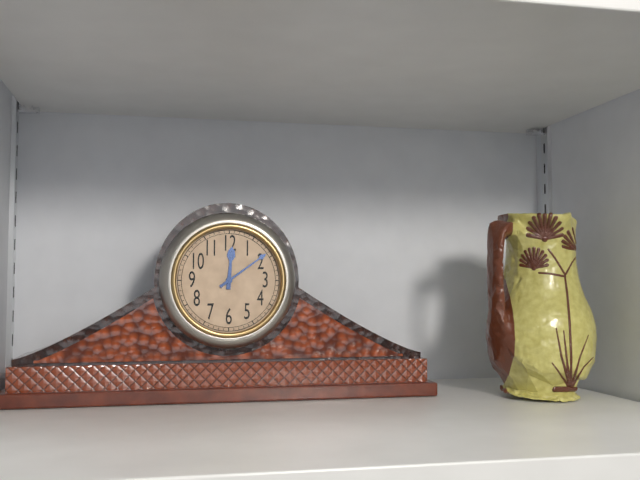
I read 12.09
